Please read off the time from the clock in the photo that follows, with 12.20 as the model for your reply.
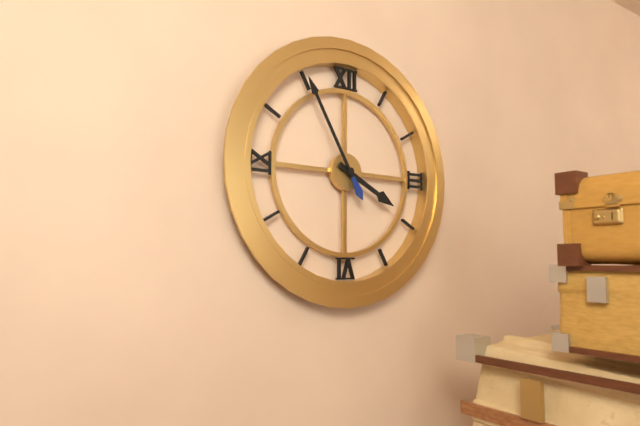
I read 3.55
